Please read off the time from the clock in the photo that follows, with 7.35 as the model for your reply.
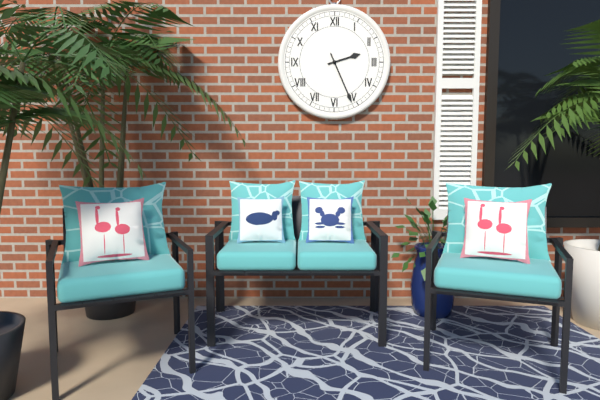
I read 2.26
